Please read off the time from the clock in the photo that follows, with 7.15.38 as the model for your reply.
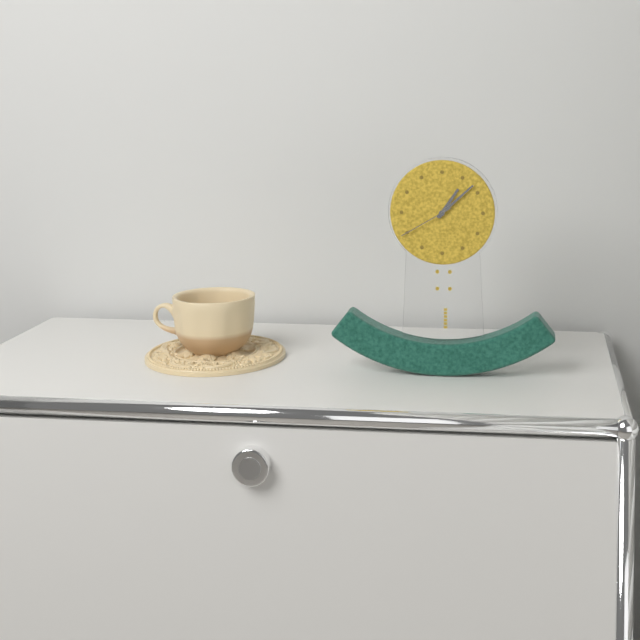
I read 1.08.40
